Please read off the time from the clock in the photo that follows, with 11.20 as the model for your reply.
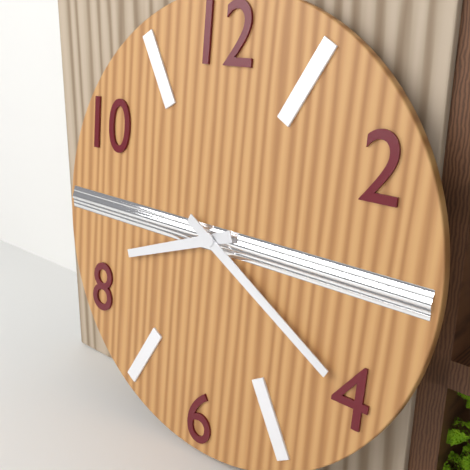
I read 8.20
